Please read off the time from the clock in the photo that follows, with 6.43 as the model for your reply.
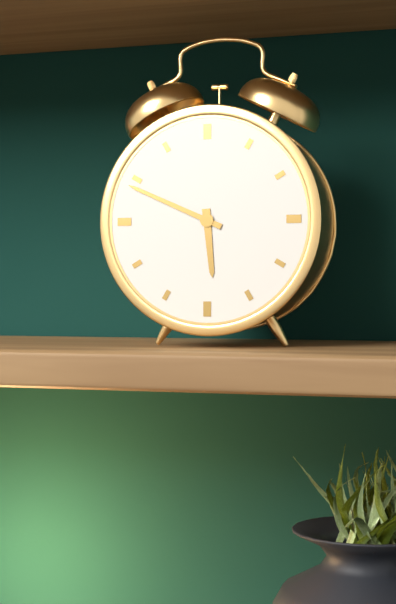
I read 5.49
